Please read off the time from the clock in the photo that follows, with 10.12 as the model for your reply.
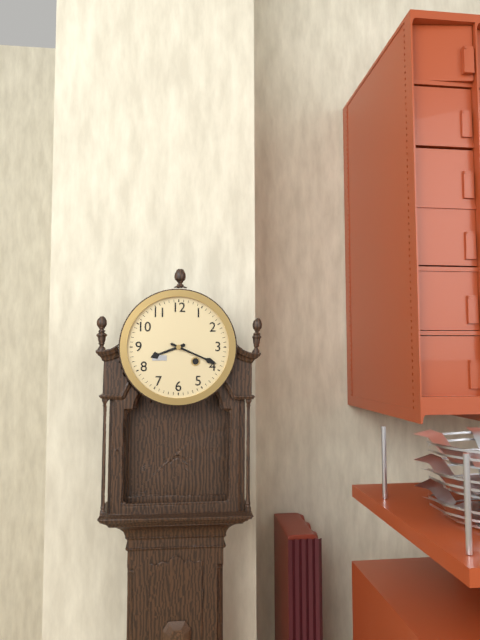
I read 8.19
